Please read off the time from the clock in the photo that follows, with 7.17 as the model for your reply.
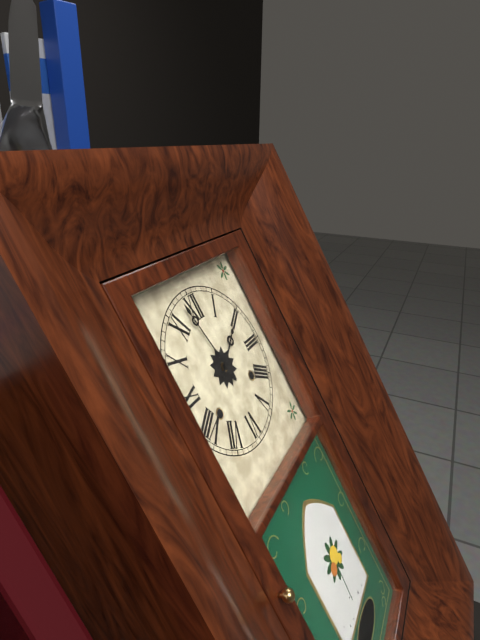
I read 1.58
